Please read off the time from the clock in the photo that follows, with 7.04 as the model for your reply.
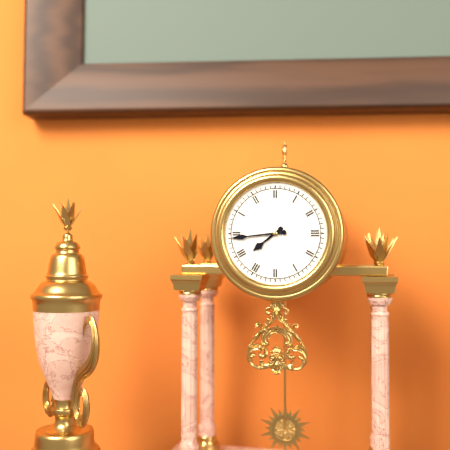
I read 7.44
